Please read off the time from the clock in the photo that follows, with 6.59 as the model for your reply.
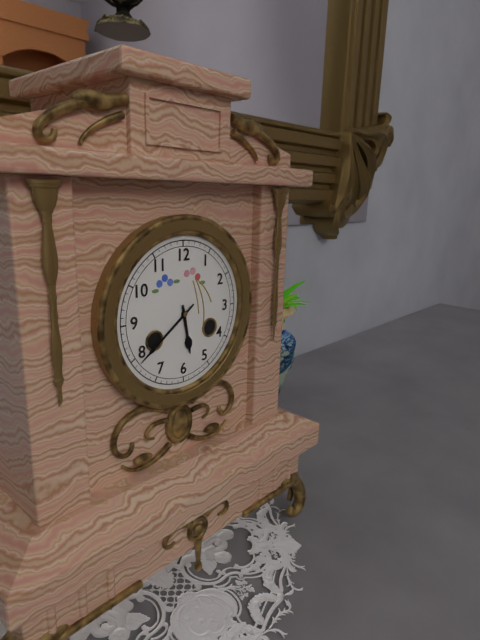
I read 5.39
